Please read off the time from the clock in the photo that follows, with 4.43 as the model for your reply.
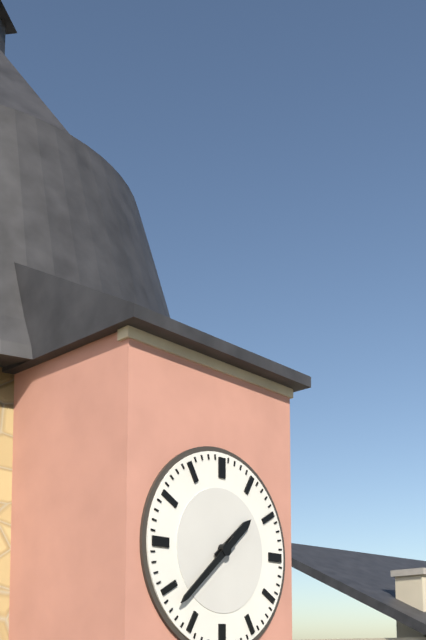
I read 1.38
